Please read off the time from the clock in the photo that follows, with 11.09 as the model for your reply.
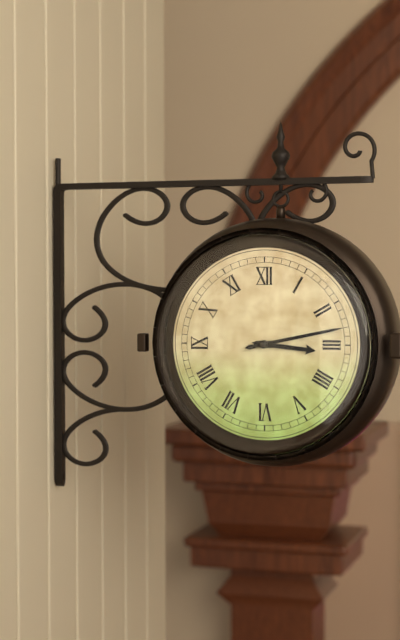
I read 3.13
